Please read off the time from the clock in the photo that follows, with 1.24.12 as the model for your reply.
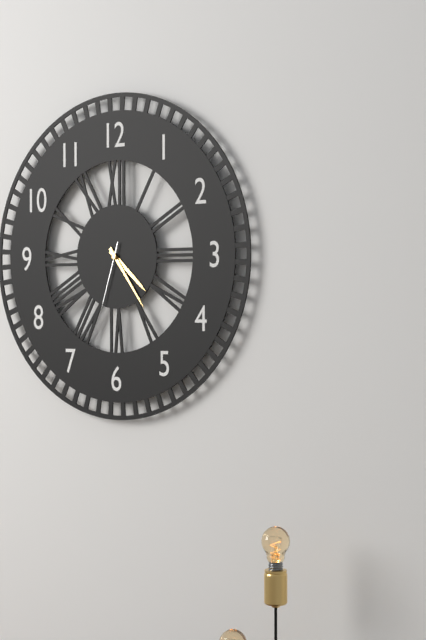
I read 4.24.33
